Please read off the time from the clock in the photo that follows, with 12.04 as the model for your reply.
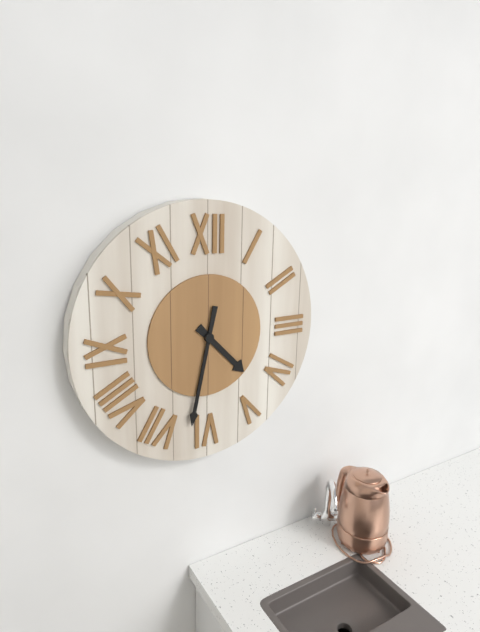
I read 4.32
